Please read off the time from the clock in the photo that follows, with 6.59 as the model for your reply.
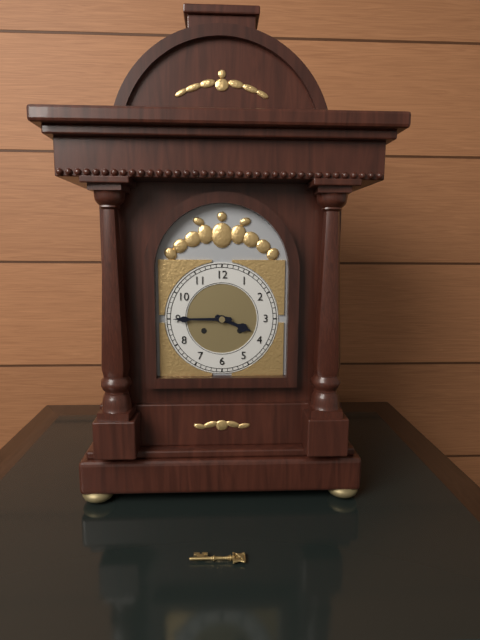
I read 3.45
